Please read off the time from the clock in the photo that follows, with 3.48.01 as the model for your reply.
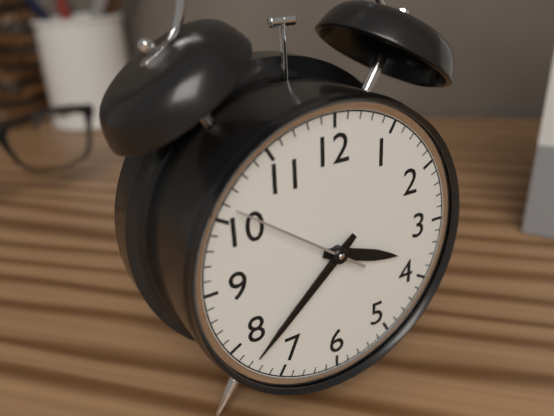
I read 3.38.51
